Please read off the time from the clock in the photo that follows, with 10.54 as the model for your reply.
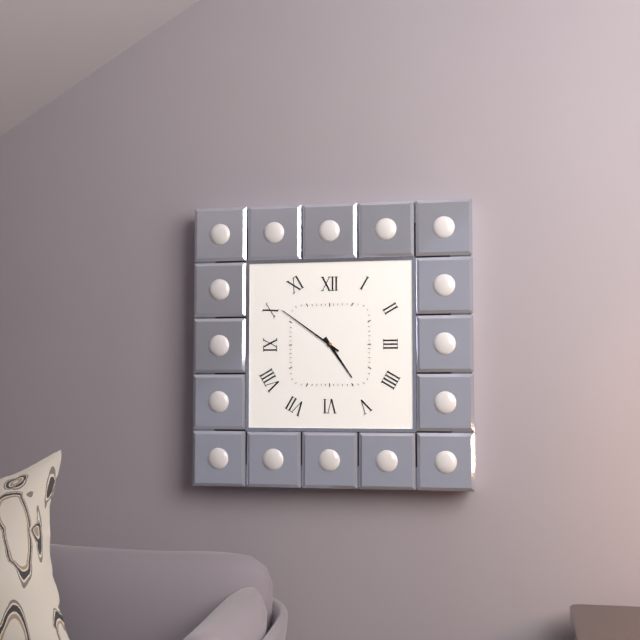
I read 4.51
